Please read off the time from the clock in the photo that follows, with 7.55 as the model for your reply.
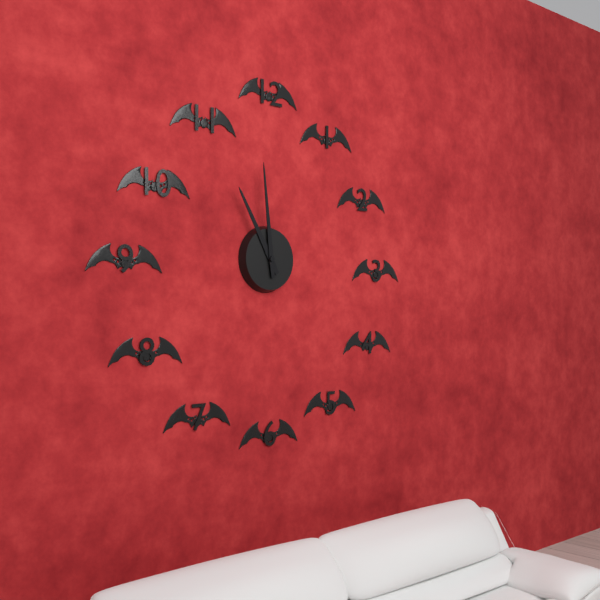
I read 10.59
